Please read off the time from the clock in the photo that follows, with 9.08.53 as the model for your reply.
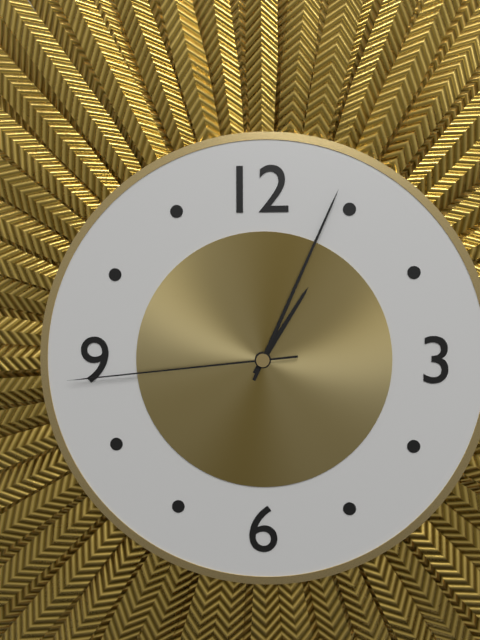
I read 1.04.44
